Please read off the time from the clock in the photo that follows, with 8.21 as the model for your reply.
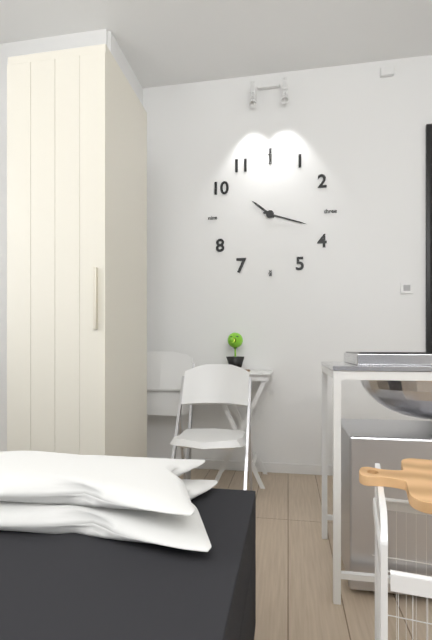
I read 10.18
